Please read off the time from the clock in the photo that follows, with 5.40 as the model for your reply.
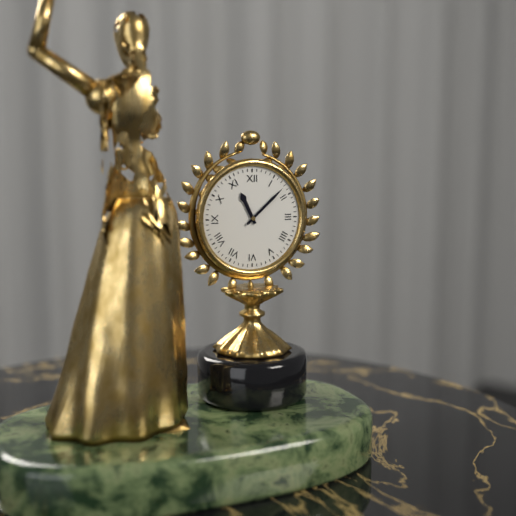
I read 11.08
